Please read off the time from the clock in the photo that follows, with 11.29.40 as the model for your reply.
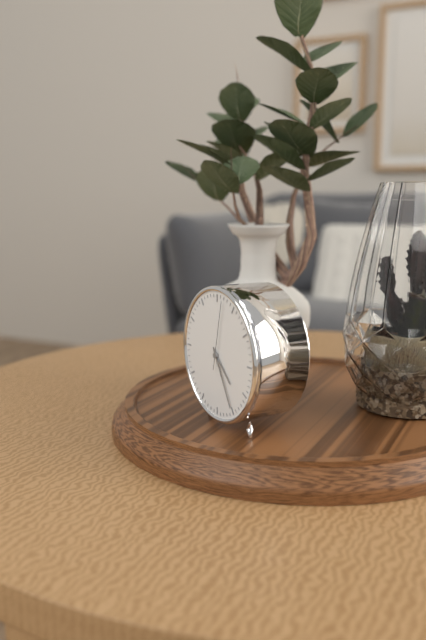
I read 4.25.02
